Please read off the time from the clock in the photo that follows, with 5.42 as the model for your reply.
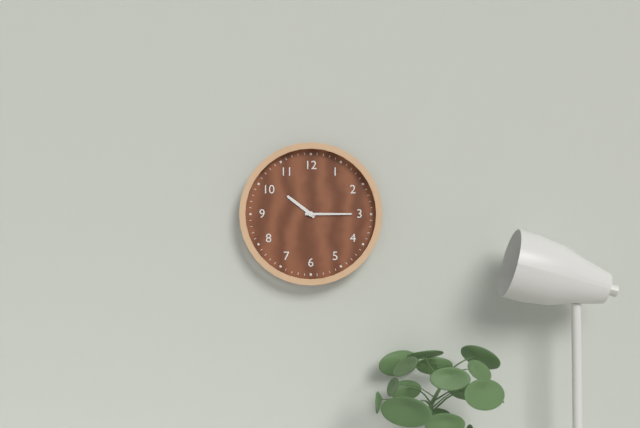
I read 10.15
